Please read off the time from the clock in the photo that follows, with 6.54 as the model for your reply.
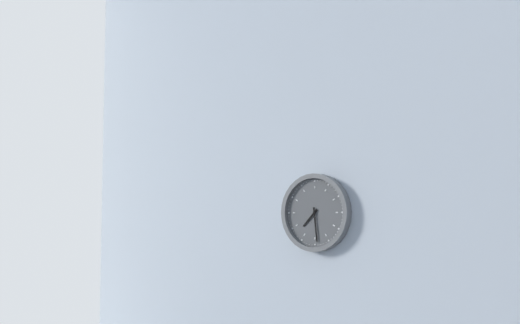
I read 7.29
